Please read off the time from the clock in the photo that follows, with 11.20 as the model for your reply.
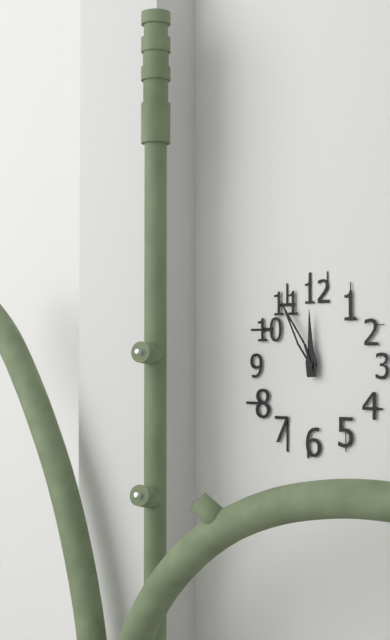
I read 11.55
